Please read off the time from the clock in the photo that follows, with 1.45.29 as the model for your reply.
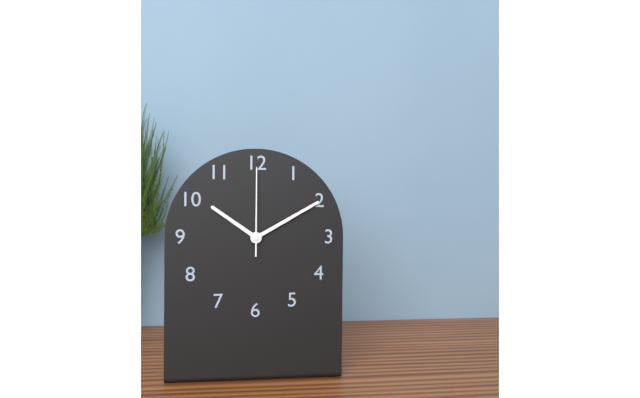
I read 10.10.00
